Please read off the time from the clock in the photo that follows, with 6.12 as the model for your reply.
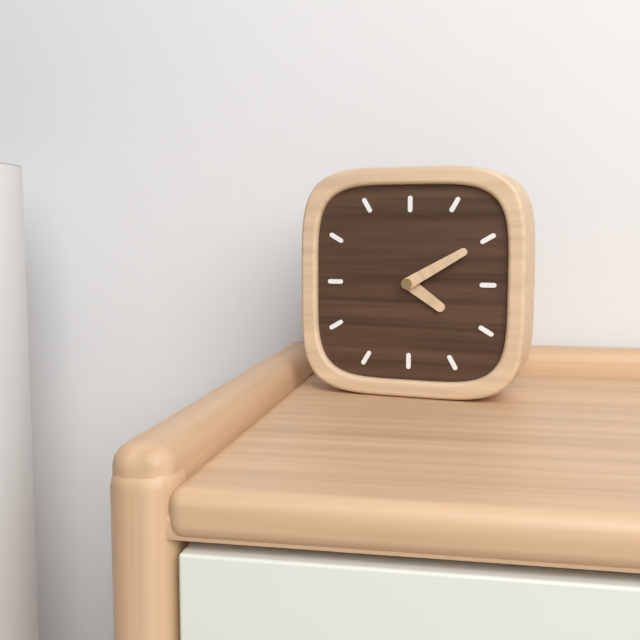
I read 4.10
